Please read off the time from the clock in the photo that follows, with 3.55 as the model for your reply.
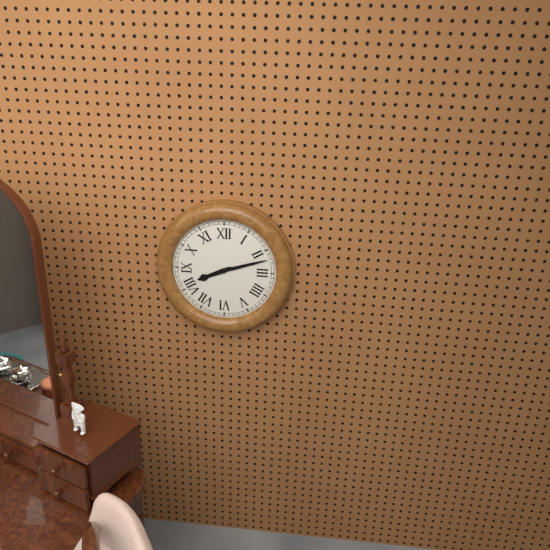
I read 8.12
